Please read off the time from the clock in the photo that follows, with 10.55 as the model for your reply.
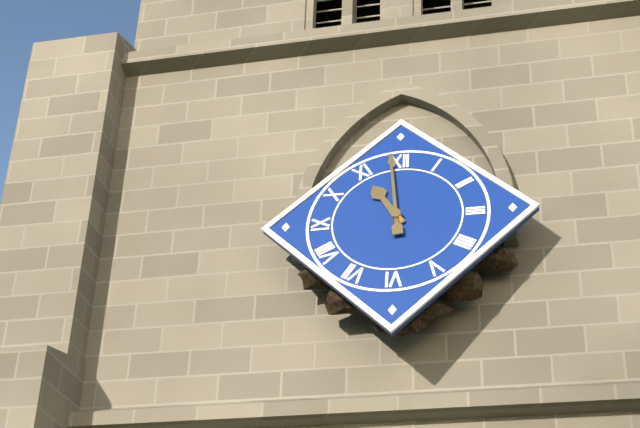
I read 10.59
